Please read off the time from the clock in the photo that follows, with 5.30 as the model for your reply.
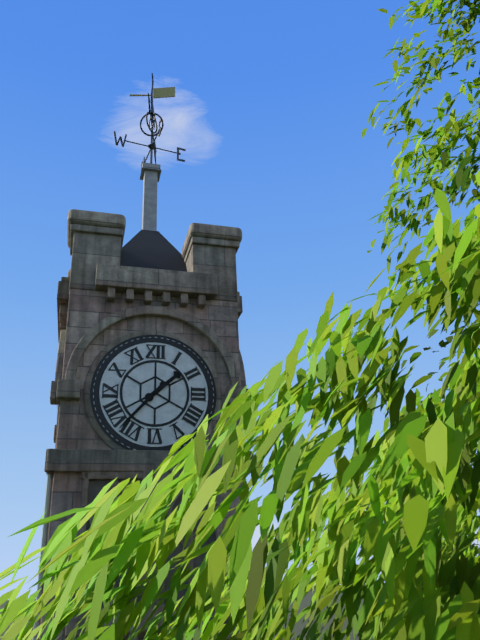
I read 1.37
